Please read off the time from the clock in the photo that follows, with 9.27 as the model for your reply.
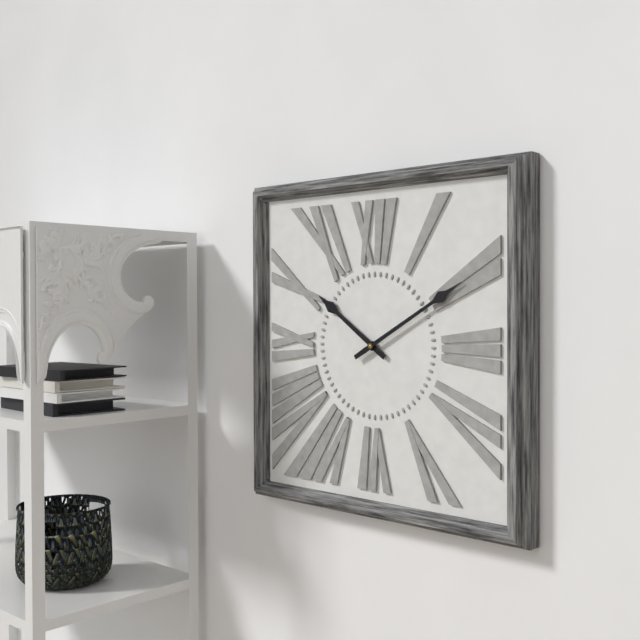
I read 10.10
